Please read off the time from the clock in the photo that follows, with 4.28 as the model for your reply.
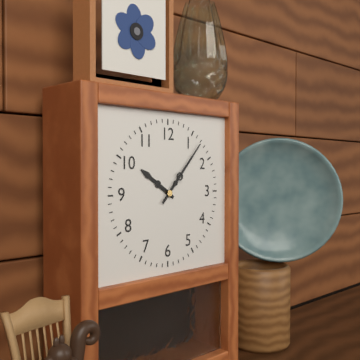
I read 10.07
